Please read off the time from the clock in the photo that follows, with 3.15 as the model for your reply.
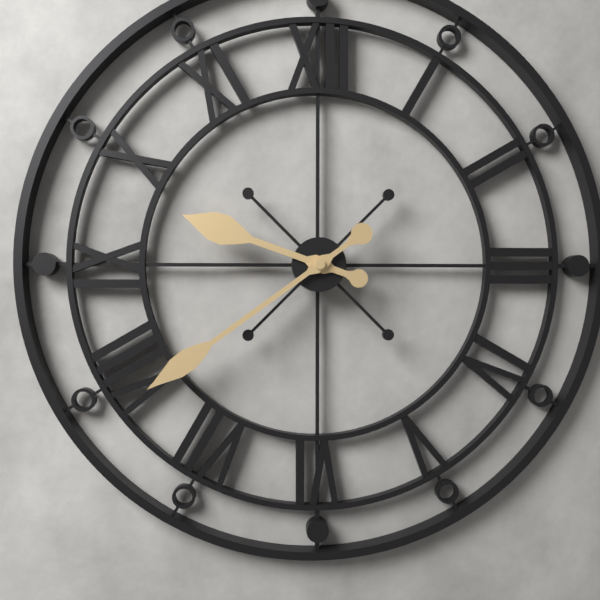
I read 9.39
